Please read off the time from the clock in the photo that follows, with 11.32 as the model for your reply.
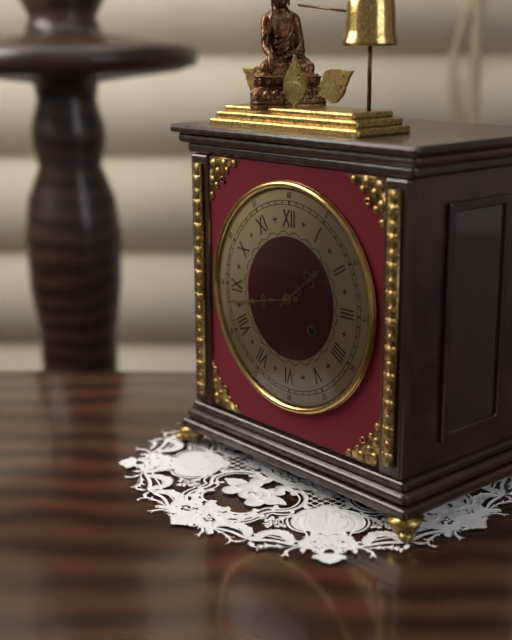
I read 1.43
